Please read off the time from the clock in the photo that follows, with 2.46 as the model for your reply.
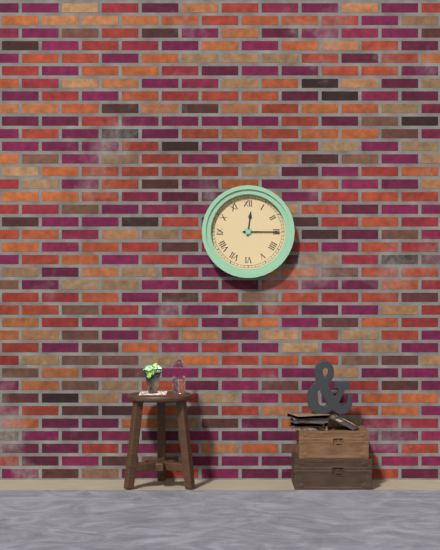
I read 12.15
